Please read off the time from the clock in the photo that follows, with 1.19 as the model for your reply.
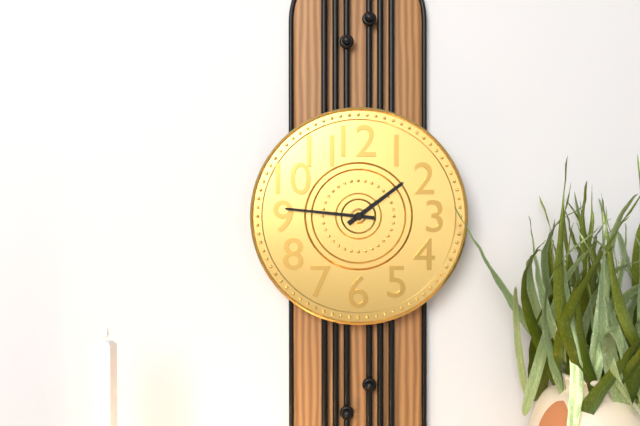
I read 1.46
